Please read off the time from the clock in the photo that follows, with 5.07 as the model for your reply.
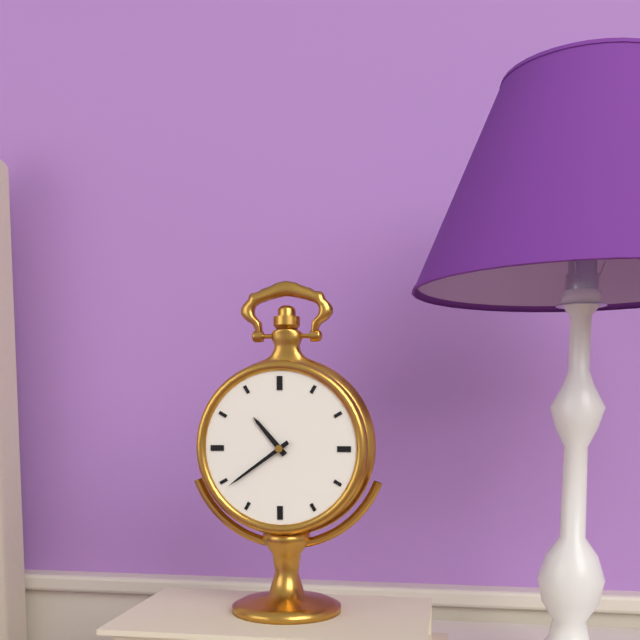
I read 10.39
